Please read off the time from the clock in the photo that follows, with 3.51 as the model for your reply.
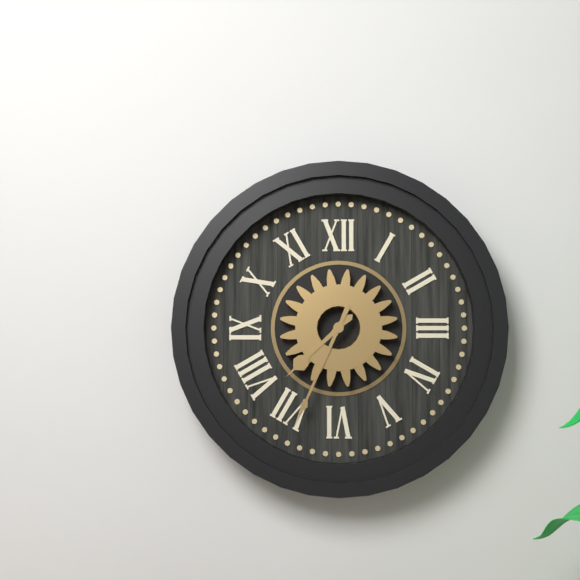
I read 7.34
